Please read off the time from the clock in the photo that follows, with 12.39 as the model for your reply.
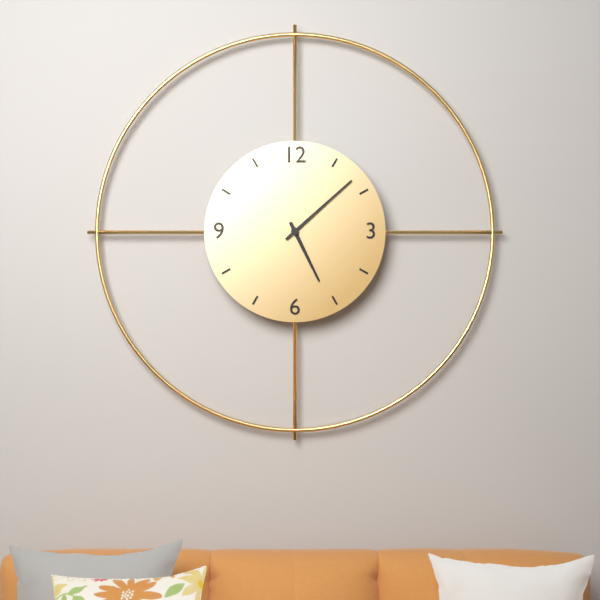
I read 5.08
